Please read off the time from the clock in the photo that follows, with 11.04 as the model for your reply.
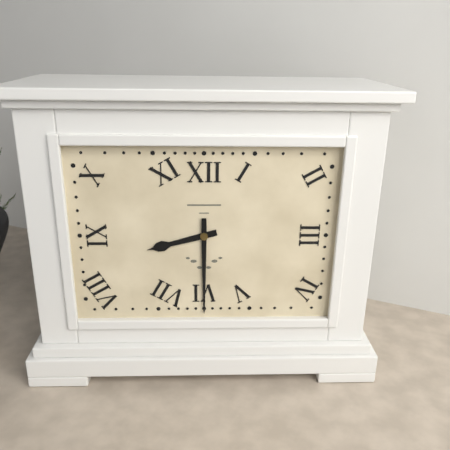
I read 8.30
